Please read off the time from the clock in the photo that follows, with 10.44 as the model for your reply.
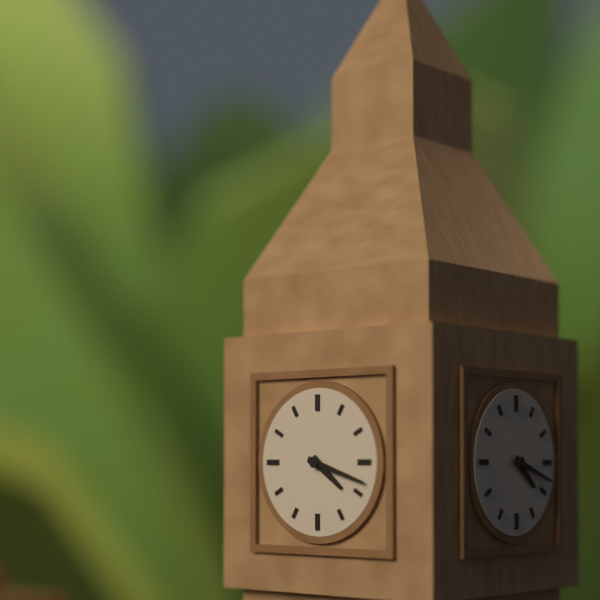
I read 4.18
